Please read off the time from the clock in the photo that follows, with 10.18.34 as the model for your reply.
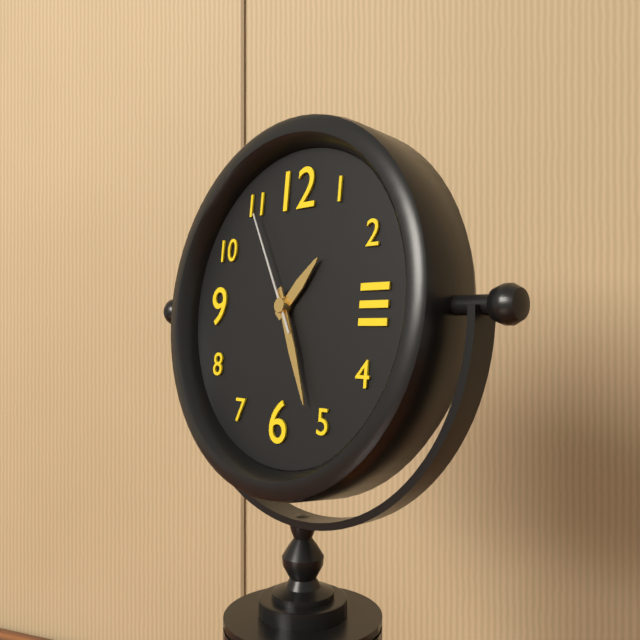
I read 1.26.55
